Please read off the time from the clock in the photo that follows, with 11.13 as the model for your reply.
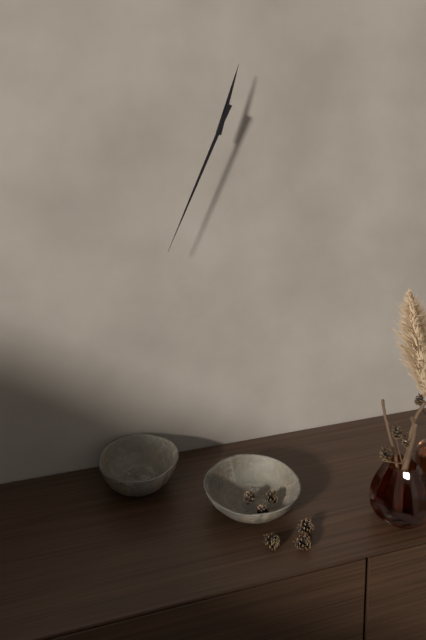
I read 12.34
